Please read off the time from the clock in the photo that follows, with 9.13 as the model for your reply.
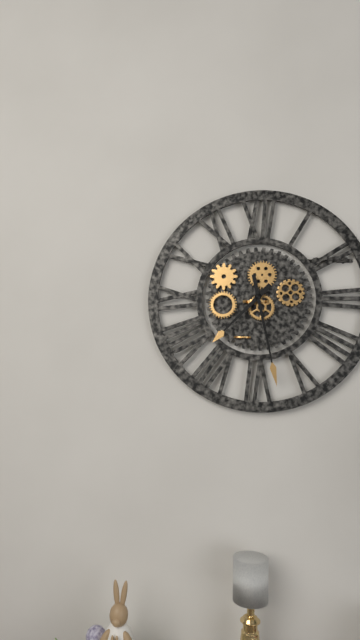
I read 7.28
